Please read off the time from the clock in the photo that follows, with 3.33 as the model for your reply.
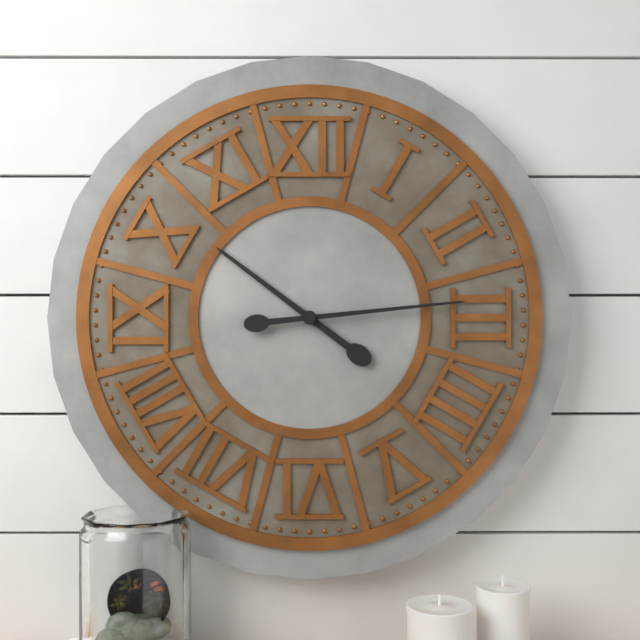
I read 10.14
